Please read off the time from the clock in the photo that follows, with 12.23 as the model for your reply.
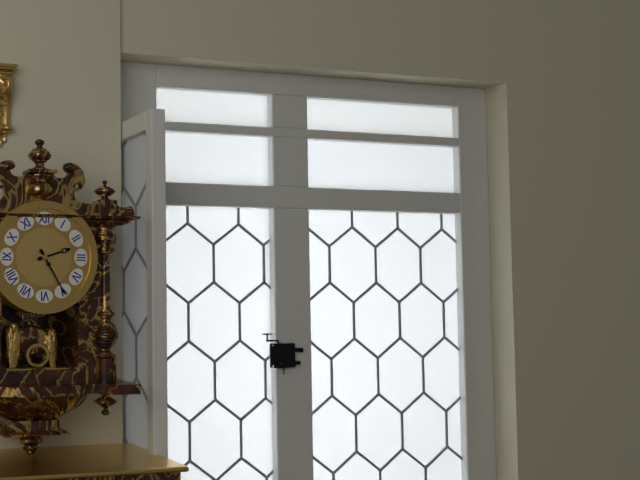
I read 2.25
